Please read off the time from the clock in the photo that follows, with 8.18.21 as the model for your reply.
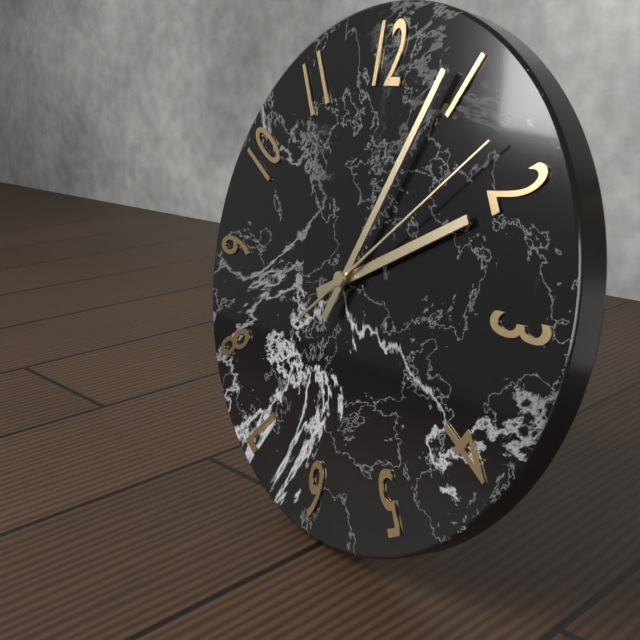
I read 2.04.08
